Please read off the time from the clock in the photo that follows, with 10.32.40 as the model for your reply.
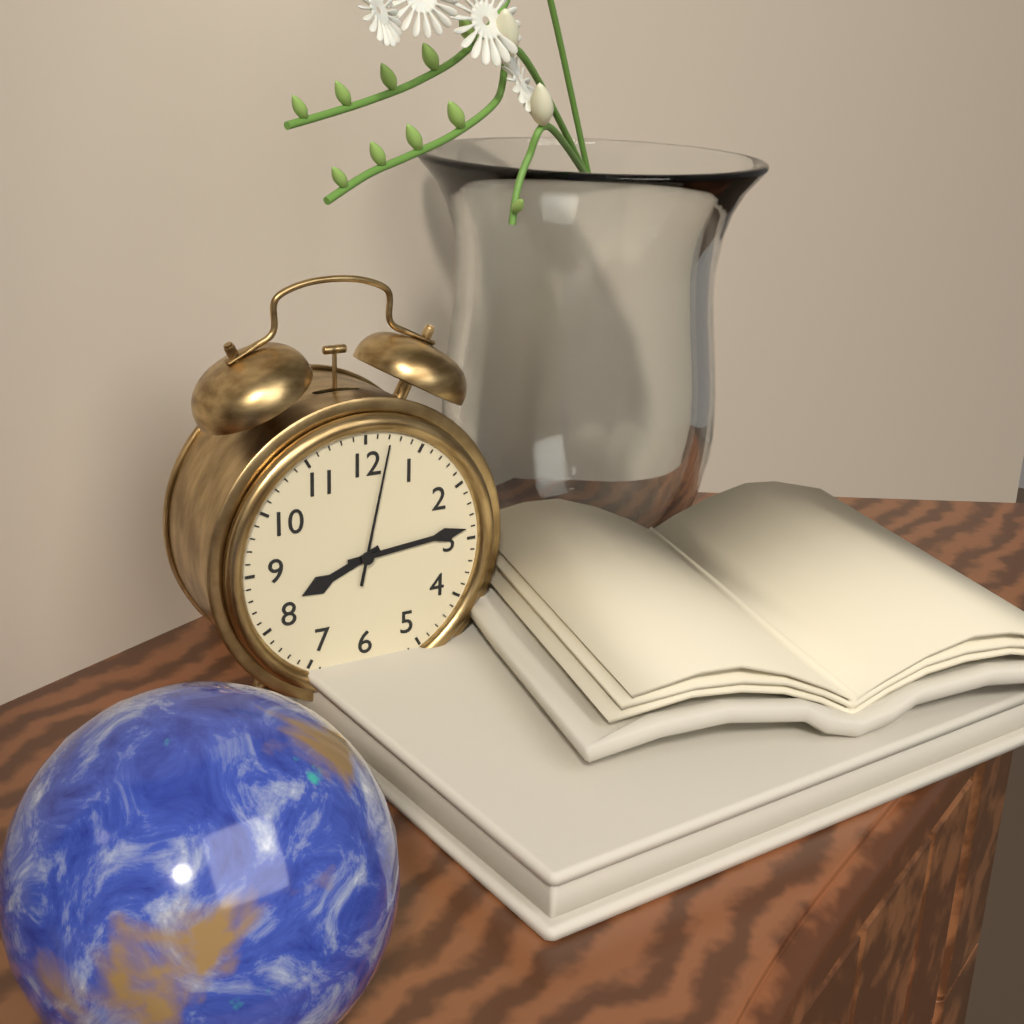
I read 8.14.02
